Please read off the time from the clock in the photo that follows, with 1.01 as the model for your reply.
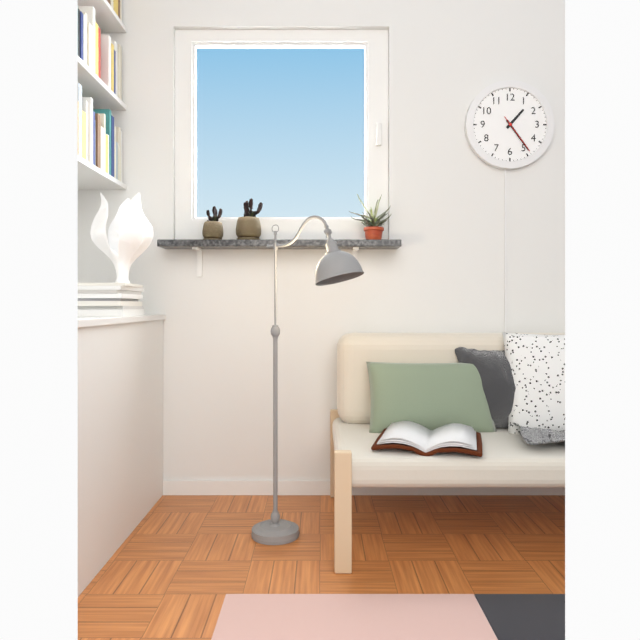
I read 1.24
